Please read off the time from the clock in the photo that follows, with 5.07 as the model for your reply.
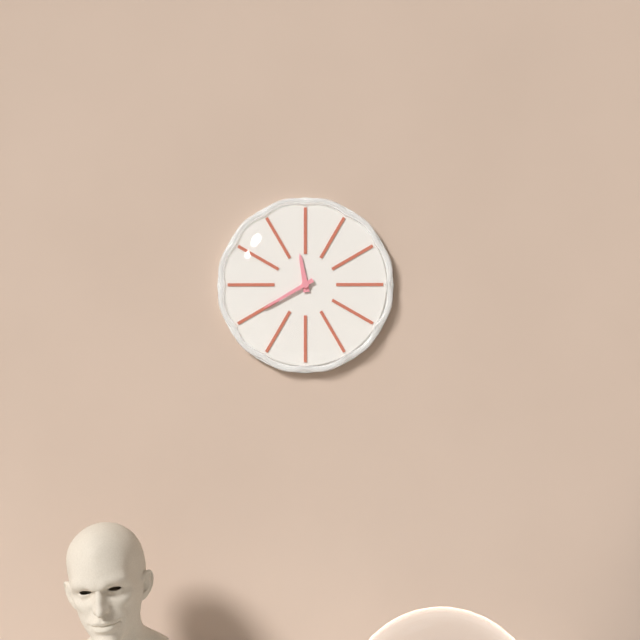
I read 11.40
